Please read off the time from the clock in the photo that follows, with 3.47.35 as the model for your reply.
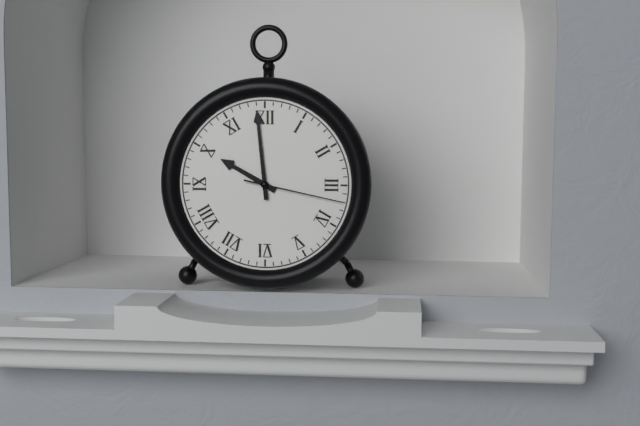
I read 9.59.17
